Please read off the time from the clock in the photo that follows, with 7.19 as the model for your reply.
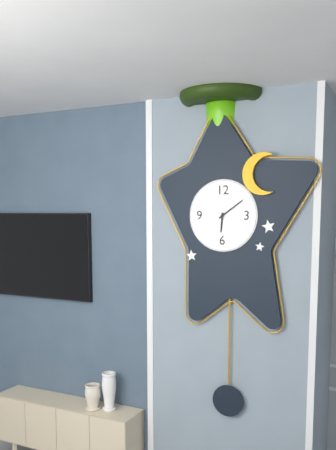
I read 6.09
